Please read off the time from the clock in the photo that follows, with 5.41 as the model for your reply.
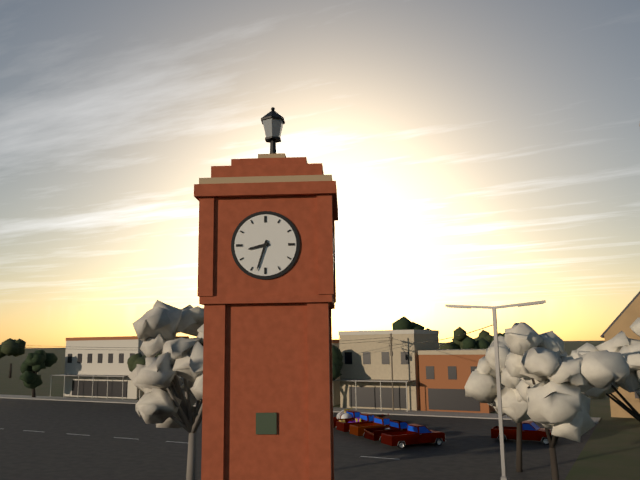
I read 8.33
